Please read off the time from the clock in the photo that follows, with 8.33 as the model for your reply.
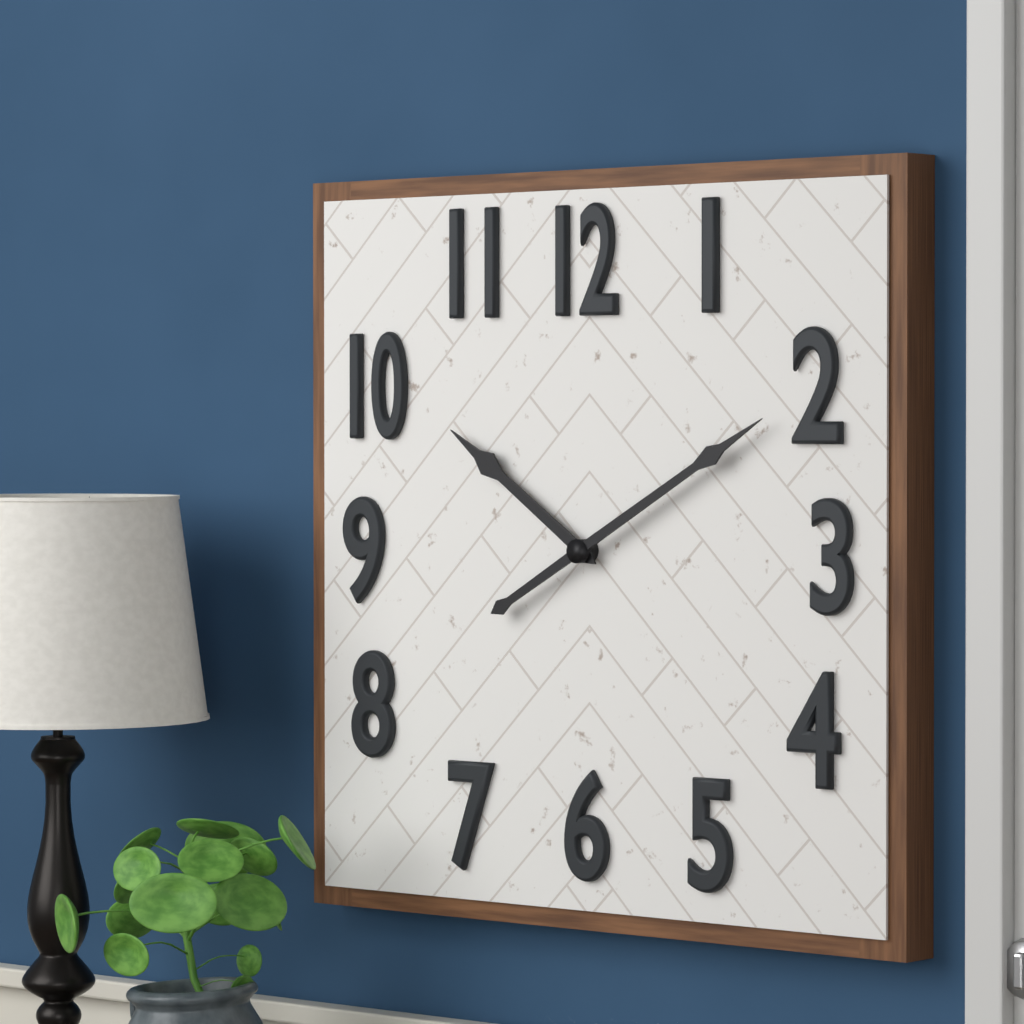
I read 10.10
